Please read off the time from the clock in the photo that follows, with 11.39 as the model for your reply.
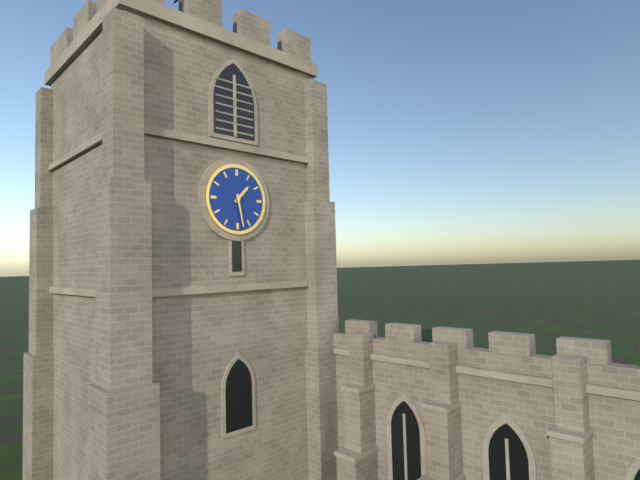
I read 1.28
